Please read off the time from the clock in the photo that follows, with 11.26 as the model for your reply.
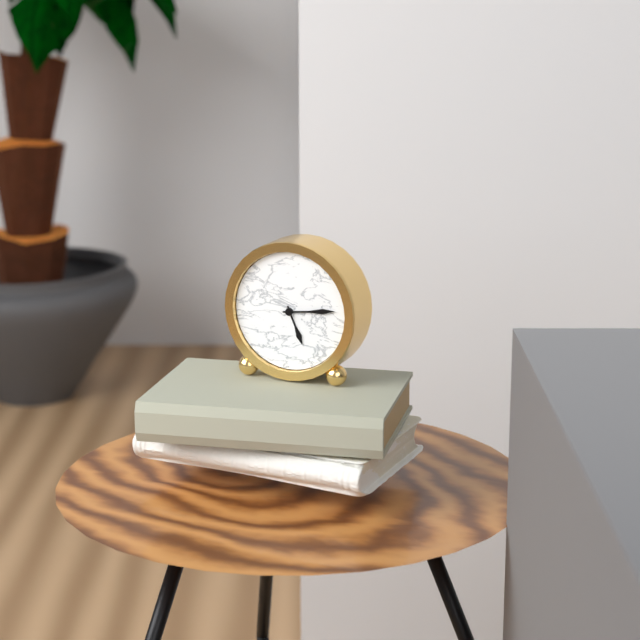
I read 5.14
